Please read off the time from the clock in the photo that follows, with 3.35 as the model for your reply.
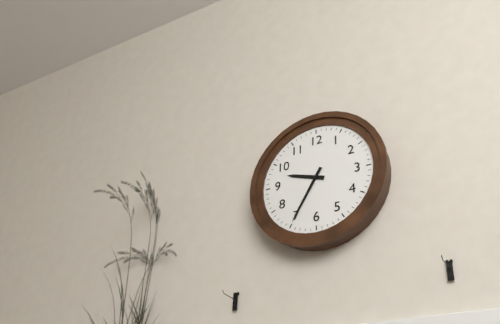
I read 9.35
